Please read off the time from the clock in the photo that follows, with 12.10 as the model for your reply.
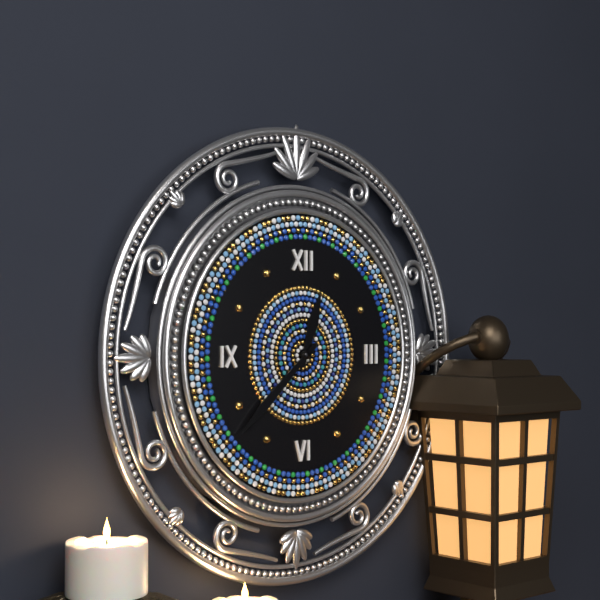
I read 12.38
